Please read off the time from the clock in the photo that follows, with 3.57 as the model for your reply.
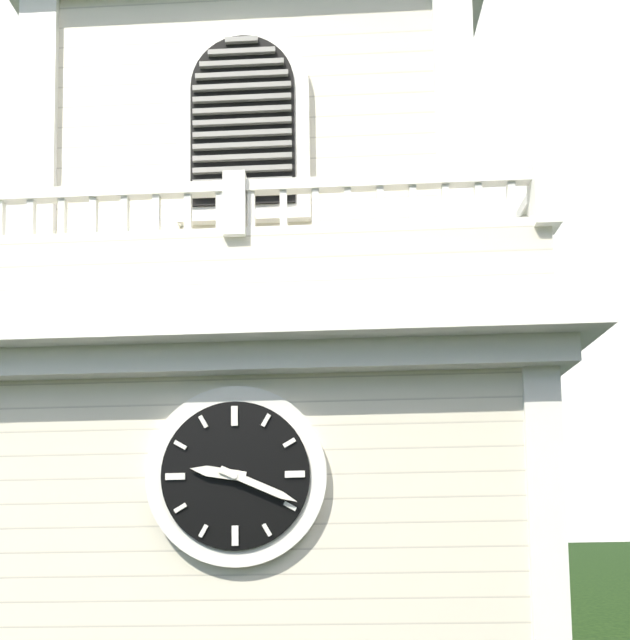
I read 9.19
